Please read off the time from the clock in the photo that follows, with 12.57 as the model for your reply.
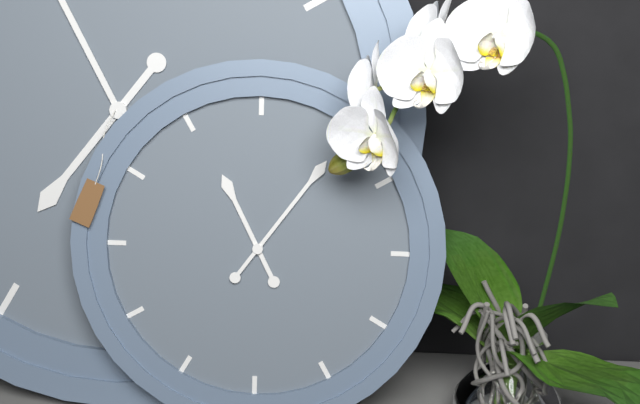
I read 11.06
